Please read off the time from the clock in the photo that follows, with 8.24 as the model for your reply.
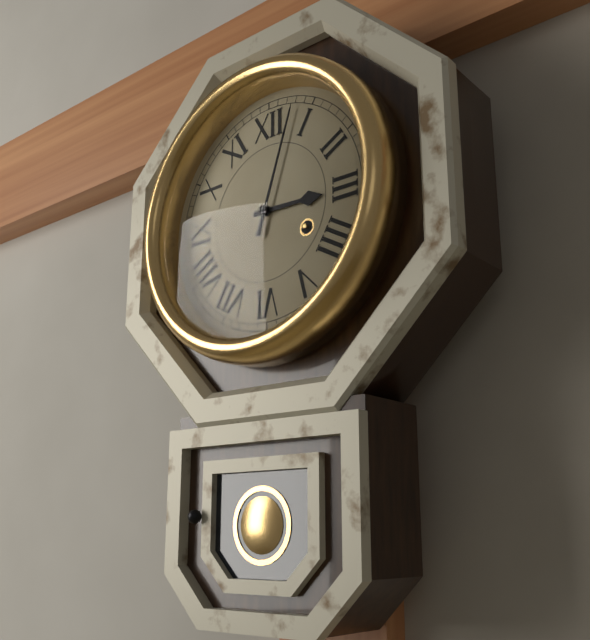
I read 3.03
